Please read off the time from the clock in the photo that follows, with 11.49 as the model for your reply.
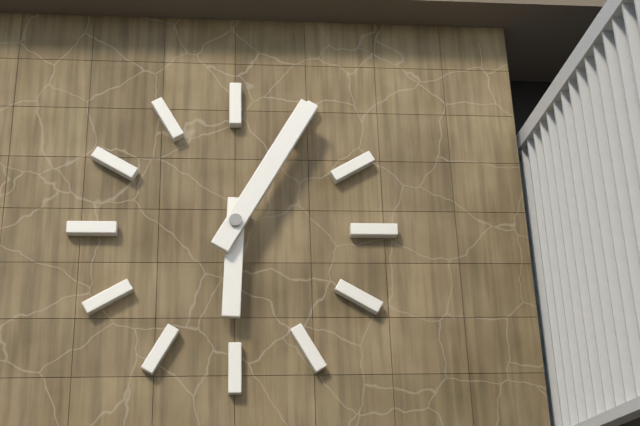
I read 6.05
